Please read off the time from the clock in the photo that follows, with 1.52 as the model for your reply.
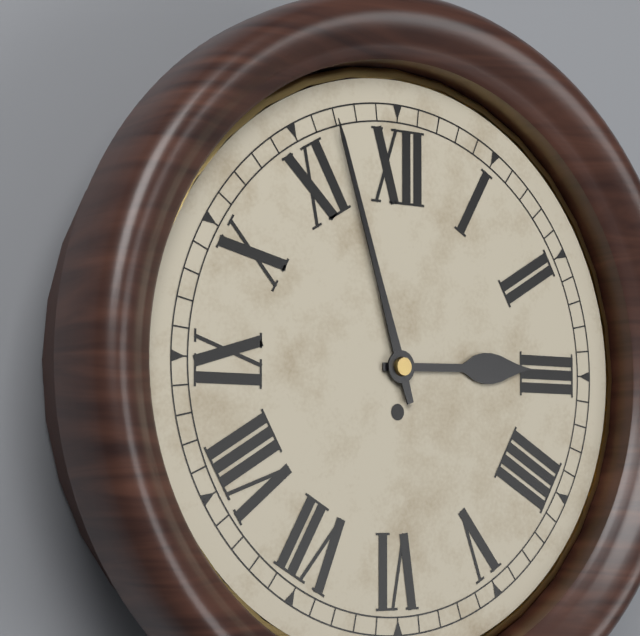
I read 2.57
